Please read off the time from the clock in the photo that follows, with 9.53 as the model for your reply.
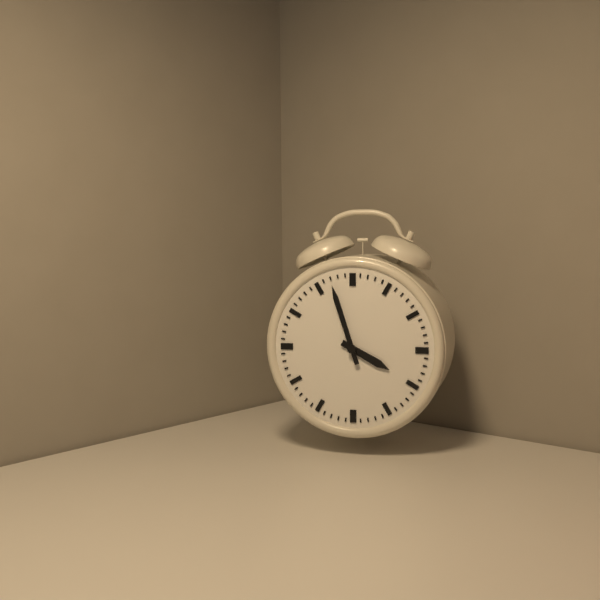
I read 3.57
